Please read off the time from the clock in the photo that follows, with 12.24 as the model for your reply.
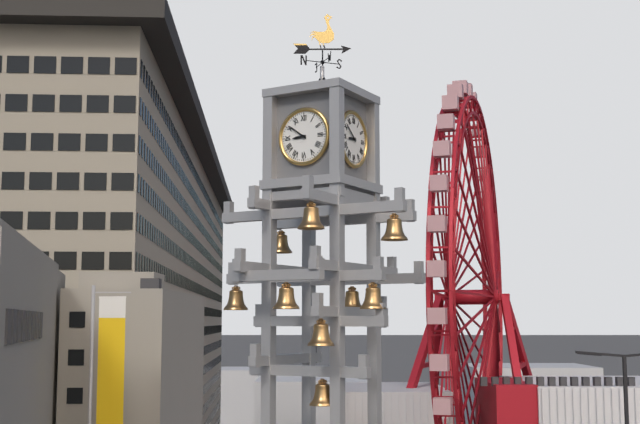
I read 8.51
